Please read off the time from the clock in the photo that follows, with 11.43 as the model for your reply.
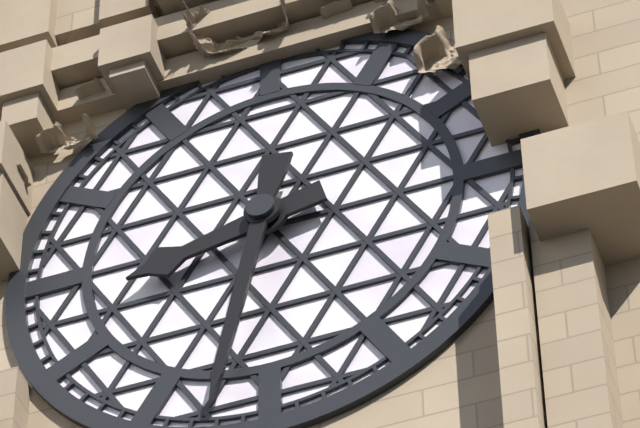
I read 8.32
